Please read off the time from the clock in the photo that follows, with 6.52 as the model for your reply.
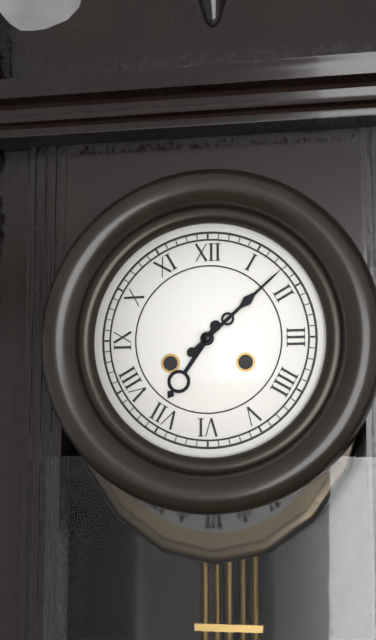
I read 7.08
